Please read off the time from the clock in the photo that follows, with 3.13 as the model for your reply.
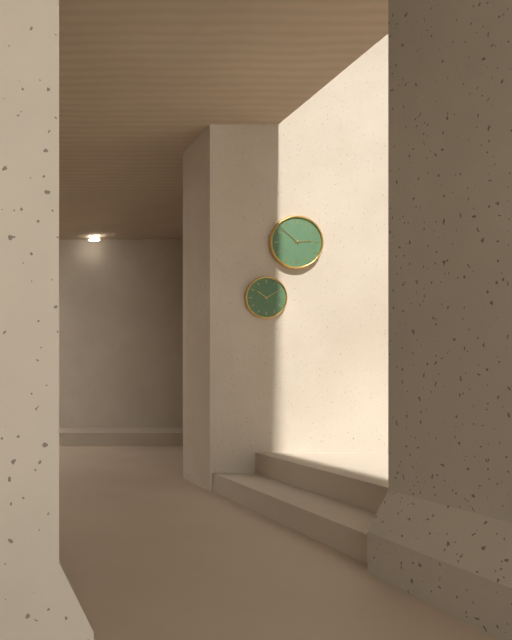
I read 2.52
